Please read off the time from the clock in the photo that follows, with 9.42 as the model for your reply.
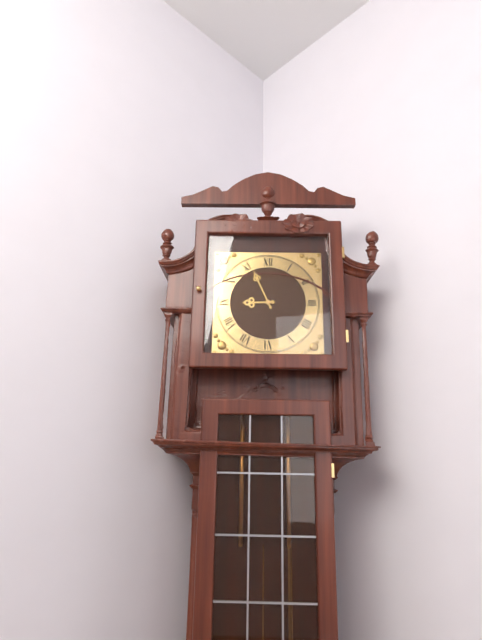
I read 8.56
